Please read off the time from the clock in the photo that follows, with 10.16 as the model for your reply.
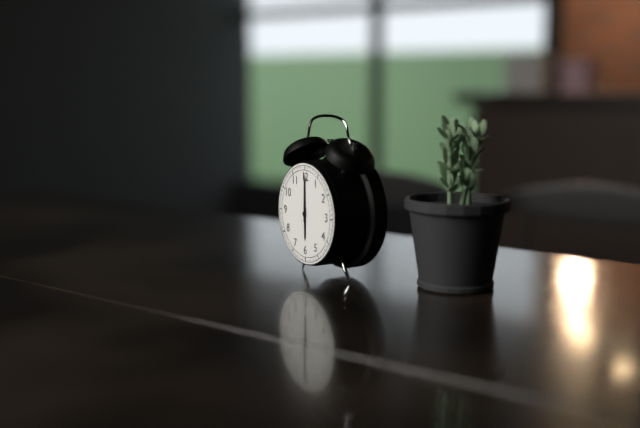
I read 6.00
